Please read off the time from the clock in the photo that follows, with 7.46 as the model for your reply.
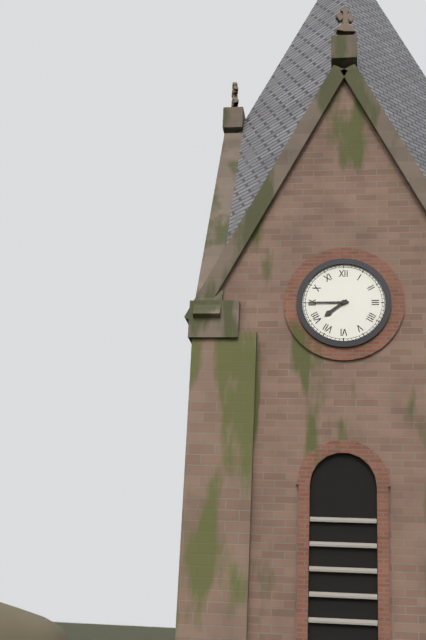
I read 7.45
